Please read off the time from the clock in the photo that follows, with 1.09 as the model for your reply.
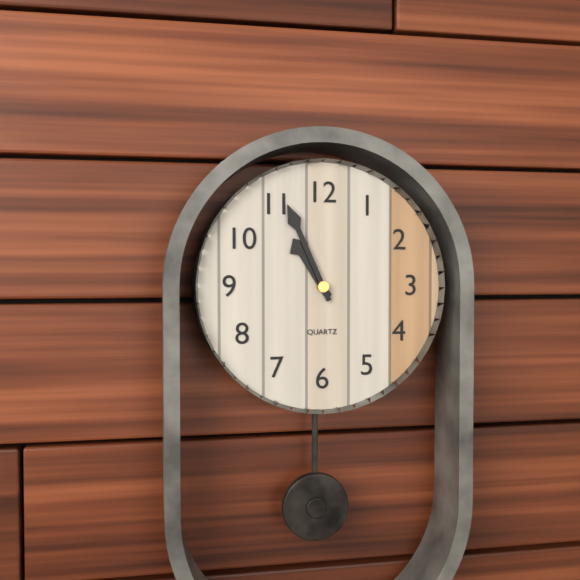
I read 10.56
